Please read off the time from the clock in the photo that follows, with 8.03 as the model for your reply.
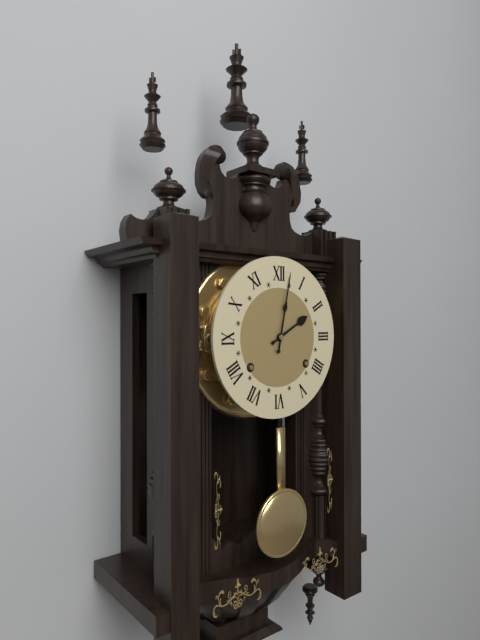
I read 2.02
